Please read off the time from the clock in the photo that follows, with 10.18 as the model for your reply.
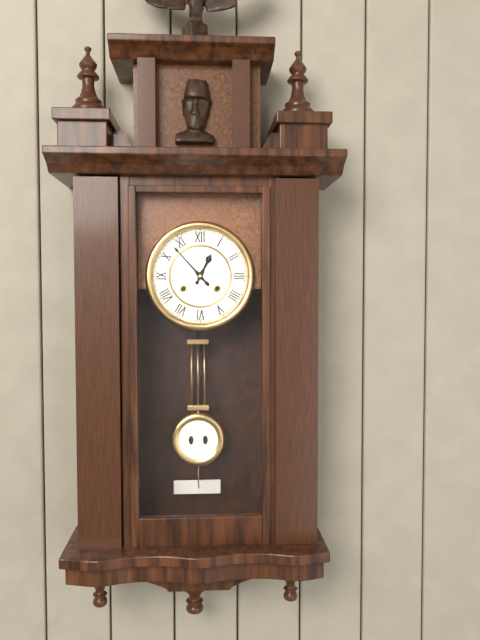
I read 12.53
